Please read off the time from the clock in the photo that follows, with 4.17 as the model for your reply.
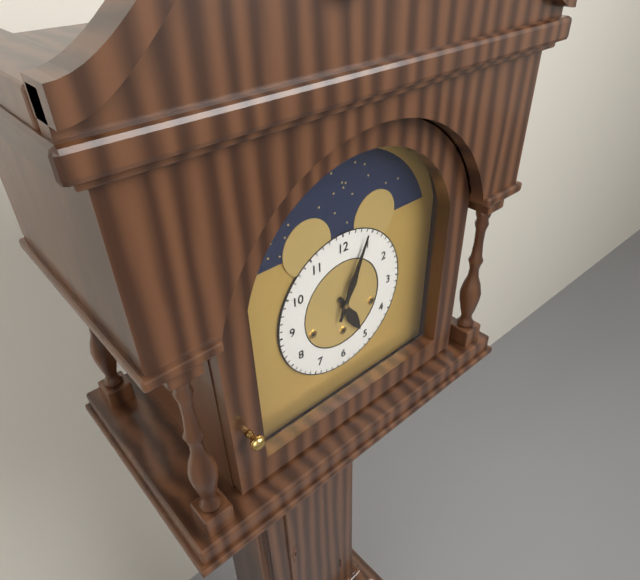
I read 5.04
